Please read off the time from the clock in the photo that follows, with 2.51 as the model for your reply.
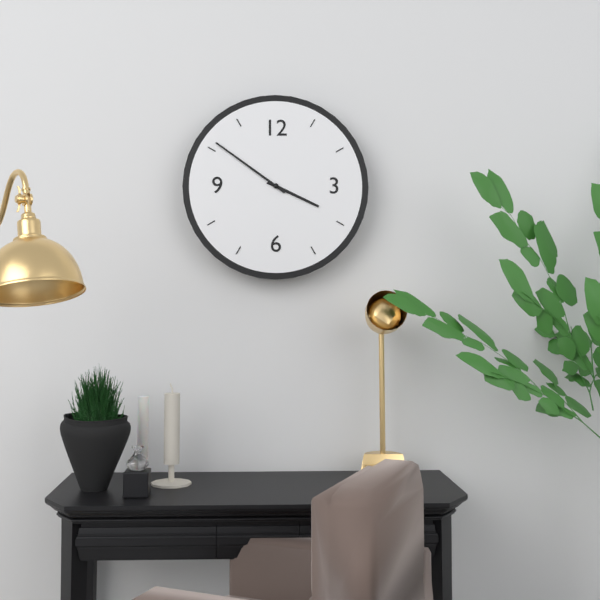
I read 3.51
